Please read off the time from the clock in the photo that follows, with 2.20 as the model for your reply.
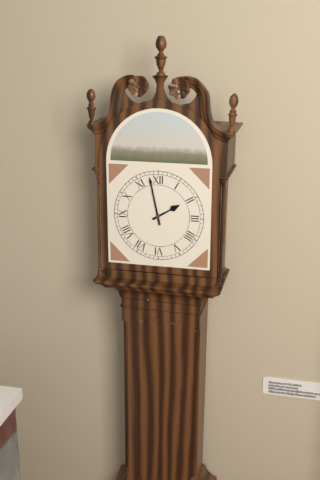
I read 1.58
